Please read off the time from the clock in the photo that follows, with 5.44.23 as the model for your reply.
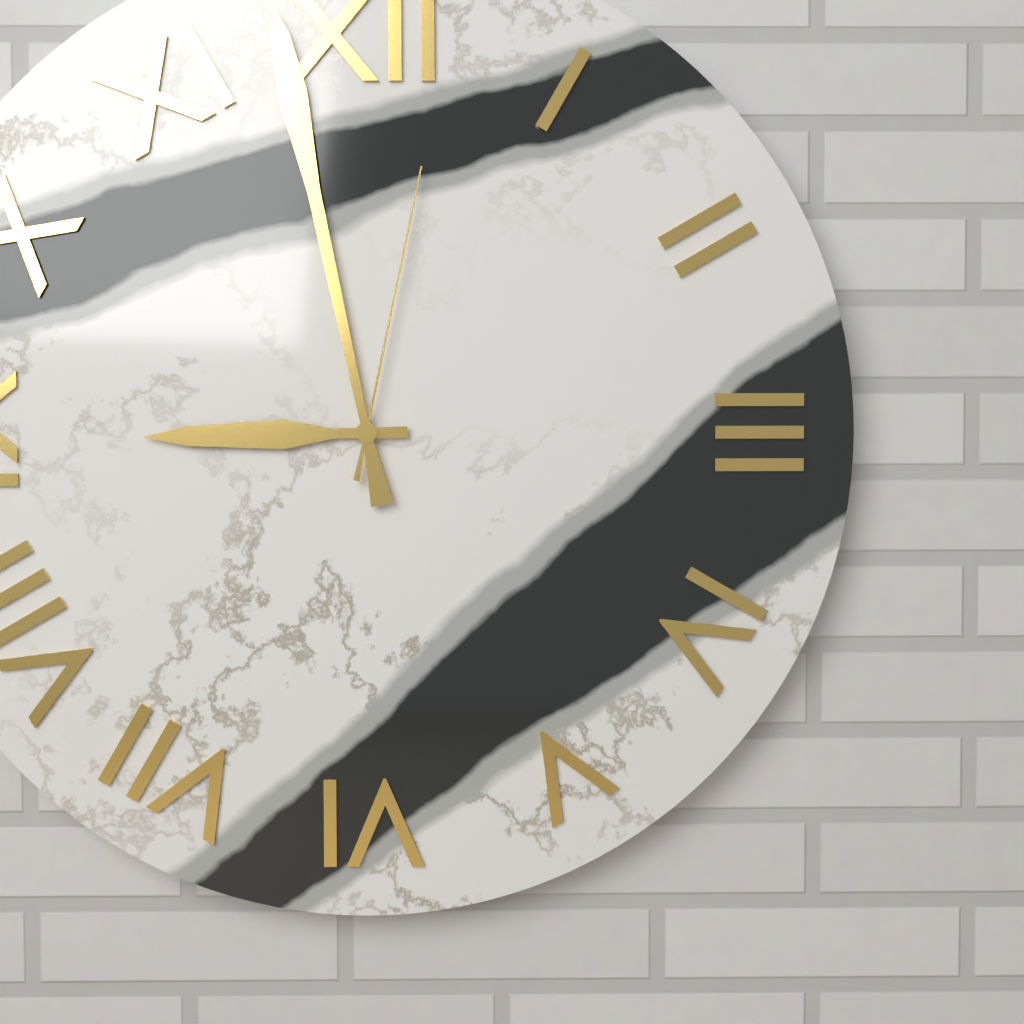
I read 8.58.02
